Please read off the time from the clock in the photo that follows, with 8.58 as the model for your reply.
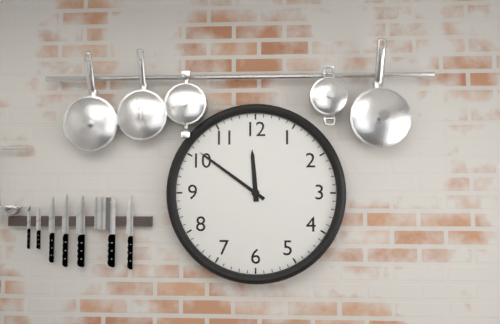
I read 11.51
